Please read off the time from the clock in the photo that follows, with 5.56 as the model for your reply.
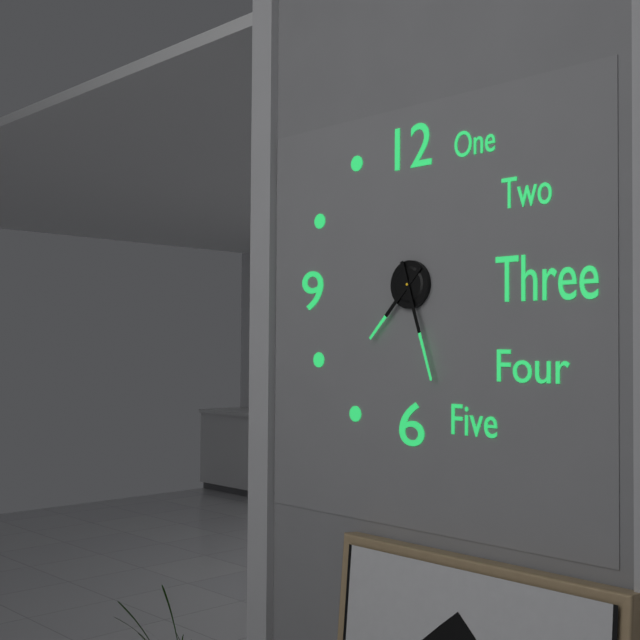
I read 7.27
